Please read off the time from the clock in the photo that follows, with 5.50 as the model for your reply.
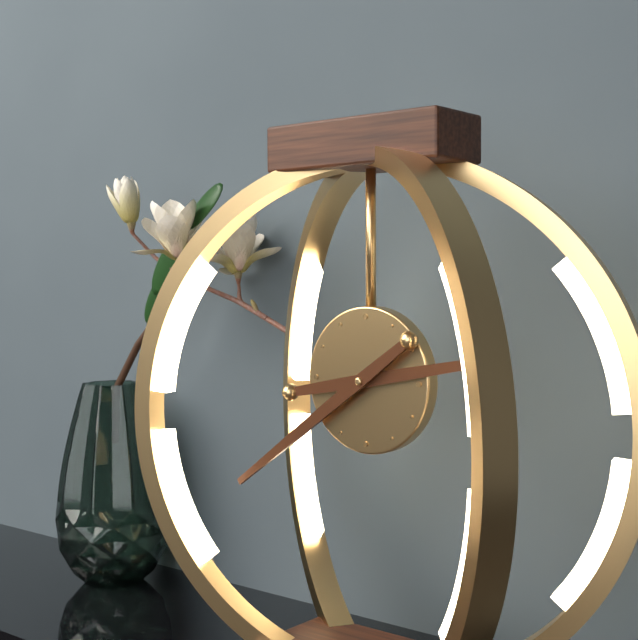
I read 2.39
